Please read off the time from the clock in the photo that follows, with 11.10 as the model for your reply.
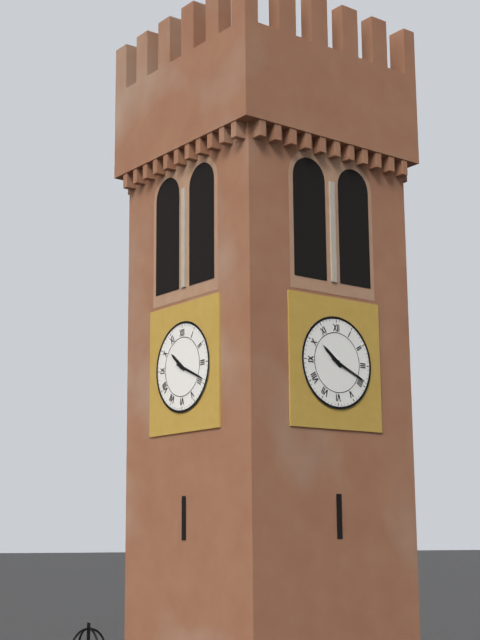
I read 10.19
